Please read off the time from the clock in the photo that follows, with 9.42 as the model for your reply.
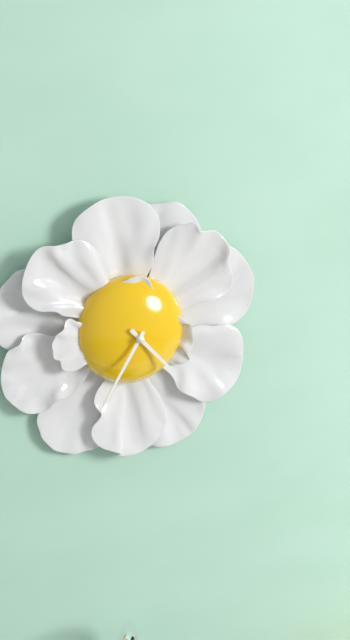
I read 4.35
